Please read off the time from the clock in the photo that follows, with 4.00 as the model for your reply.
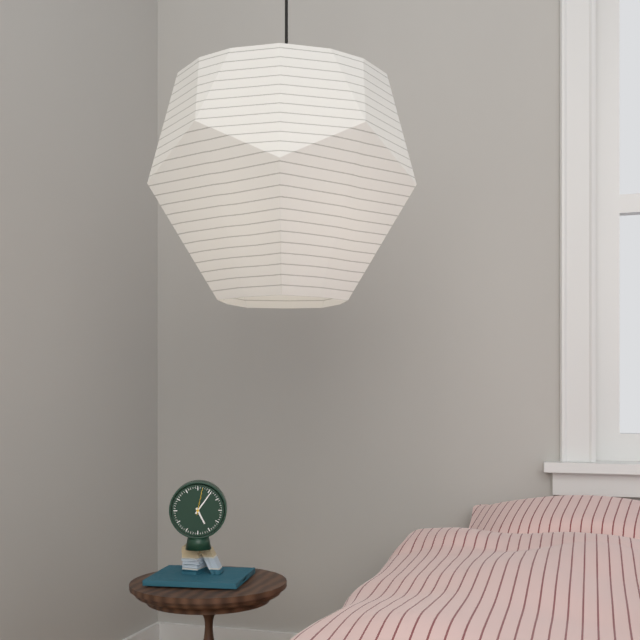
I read 5.06
